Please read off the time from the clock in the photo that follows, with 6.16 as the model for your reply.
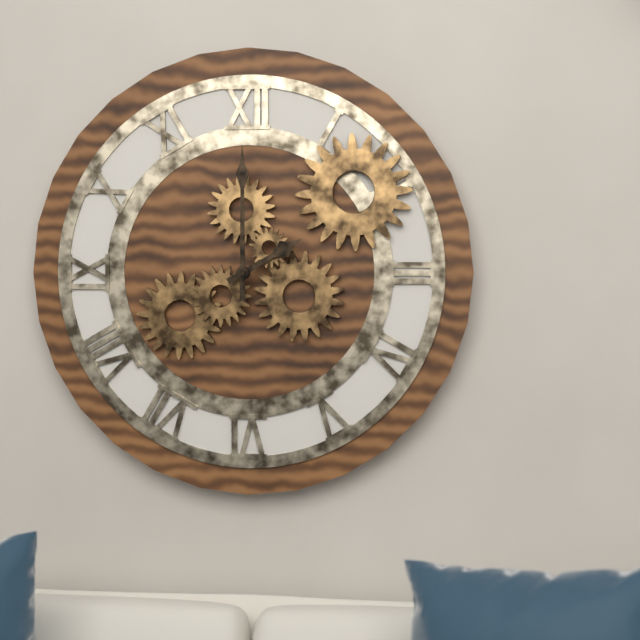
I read 2.00
